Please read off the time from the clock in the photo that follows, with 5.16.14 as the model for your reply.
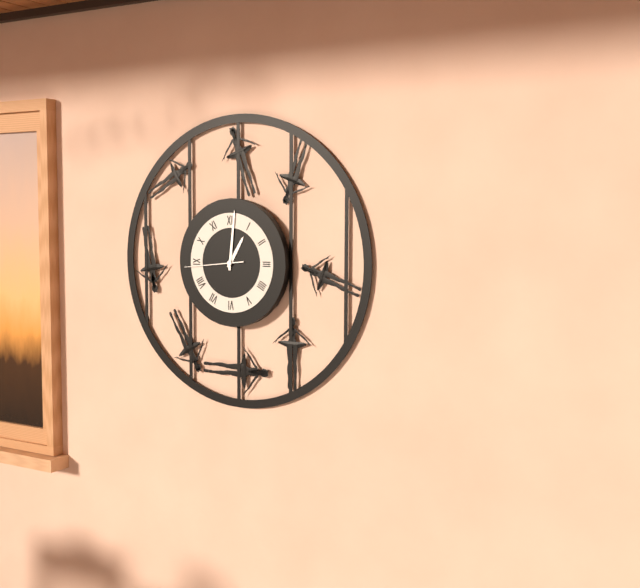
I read 1.01.44
